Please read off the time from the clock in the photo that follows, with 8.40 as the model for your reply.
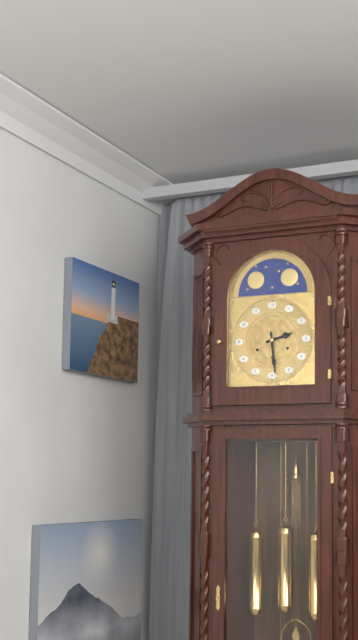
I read 2.29
